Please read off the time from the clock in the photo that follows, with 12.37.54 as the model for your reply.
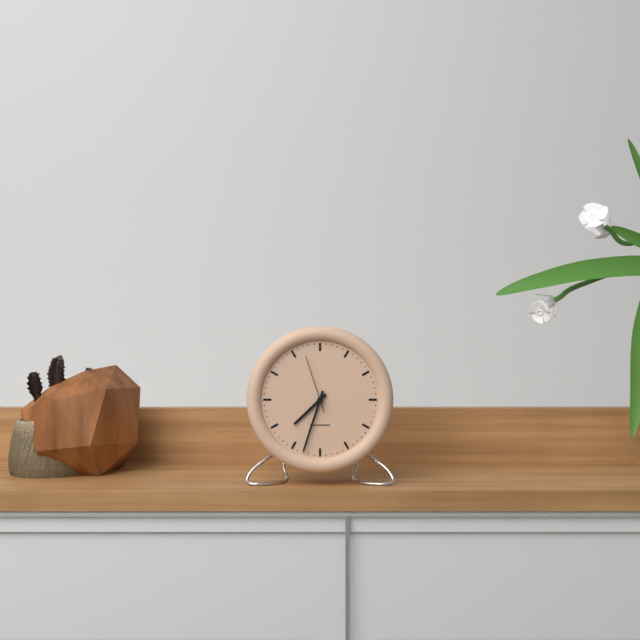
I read 7.33.57
